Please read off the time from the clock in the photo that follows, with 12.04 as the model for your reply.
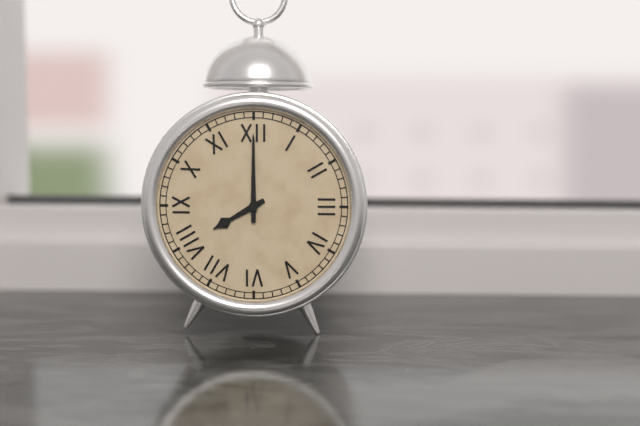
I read 8.00
